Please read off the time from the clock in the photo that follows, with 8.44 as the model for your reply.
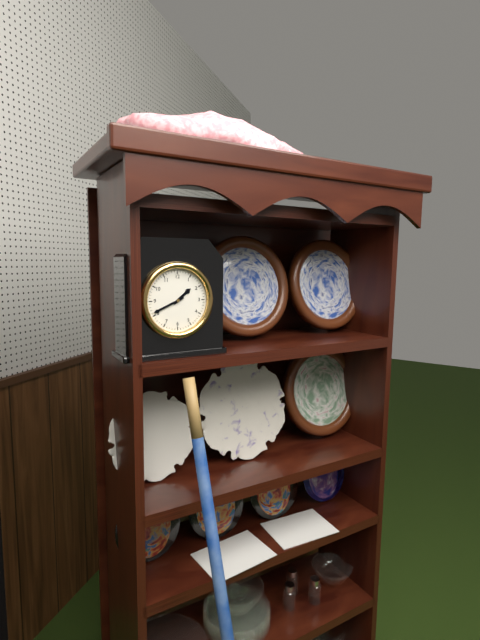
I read 1.41
